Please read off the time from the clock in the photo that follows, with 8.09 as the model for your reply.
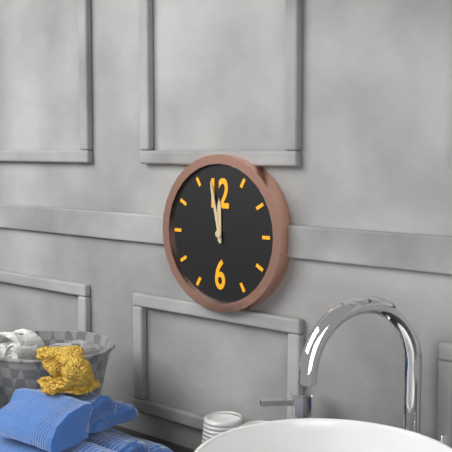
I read 11.58
